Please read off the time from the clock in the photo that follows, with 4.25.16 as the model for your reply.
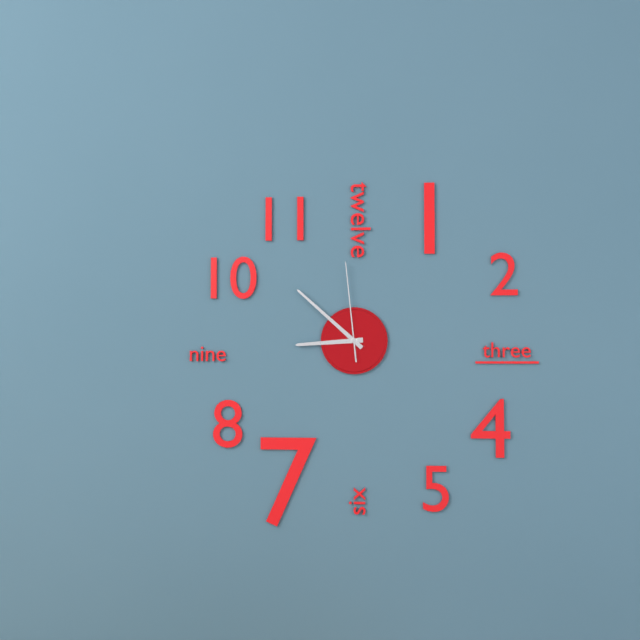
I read 8.52.59
